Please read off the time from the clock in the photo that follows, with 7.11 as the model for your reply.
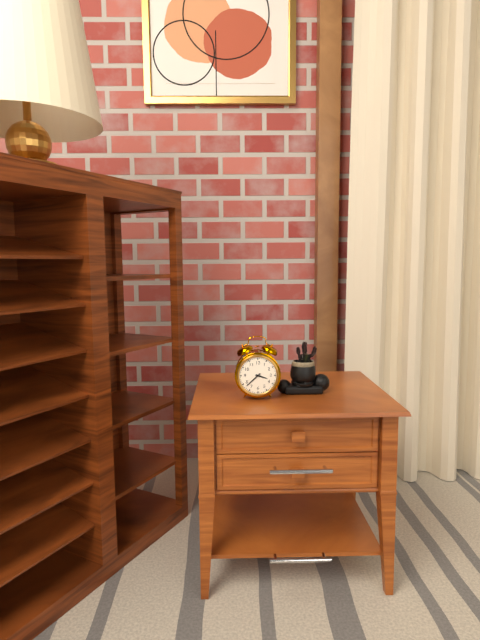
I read 3.38
